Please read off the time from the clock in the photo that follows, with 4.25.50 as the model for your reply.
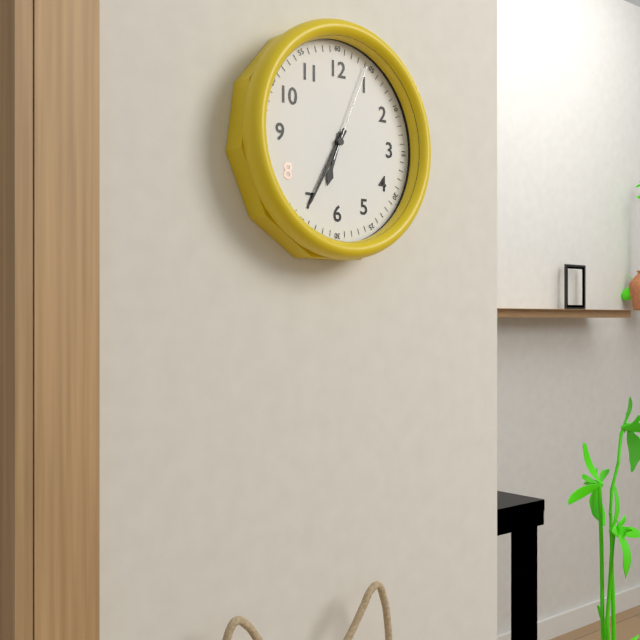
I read 6.35.04
